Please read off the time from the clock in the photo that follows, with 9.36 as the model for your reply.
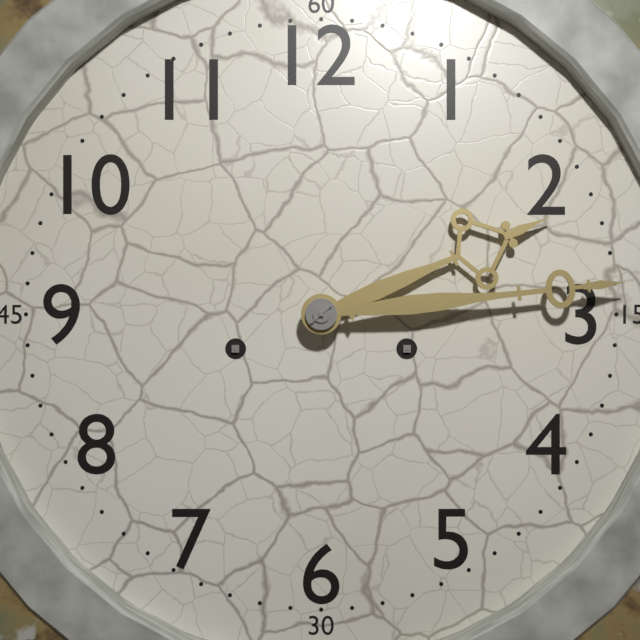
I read 2.14
